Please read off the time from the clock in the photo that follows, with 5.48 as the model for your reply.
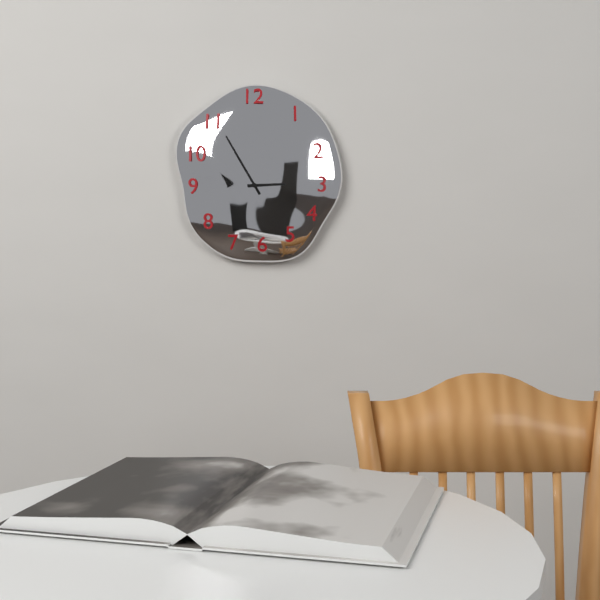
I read 2.55
